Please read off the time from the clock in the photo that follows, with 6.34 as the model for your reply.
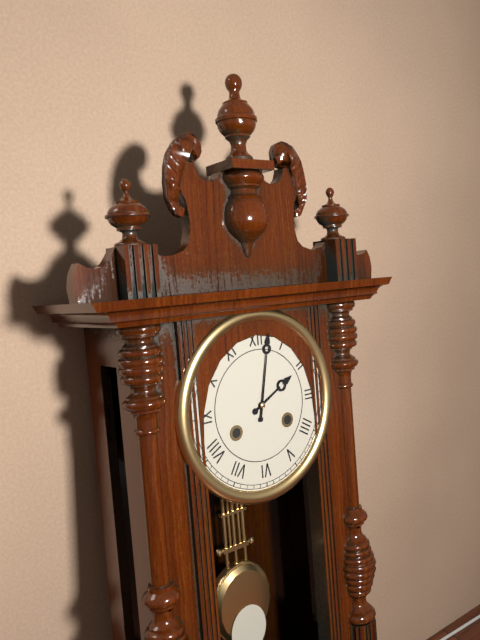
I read 2.02
